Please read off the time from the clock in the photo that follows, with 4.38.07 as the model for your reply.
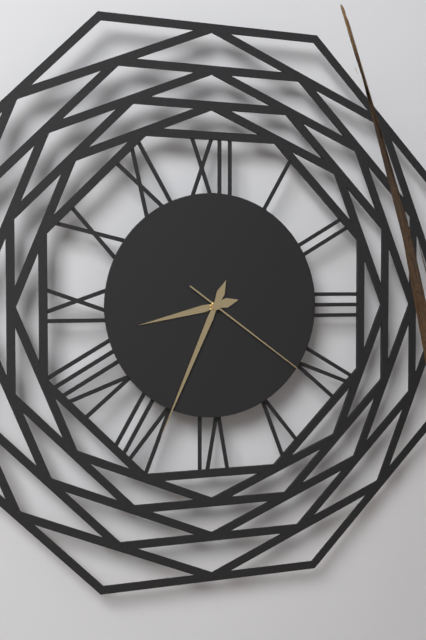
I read 8.34.21
